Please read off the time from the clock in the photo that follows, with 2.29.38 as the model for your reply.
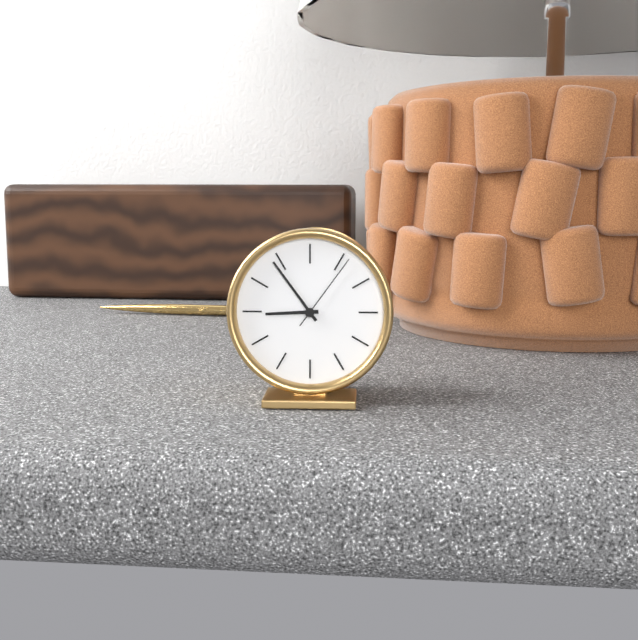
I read 8.54.06
